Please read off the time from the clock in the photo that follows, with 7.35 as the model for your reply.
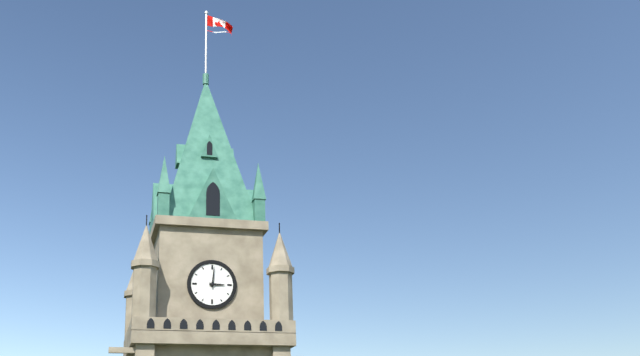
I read 3.01
